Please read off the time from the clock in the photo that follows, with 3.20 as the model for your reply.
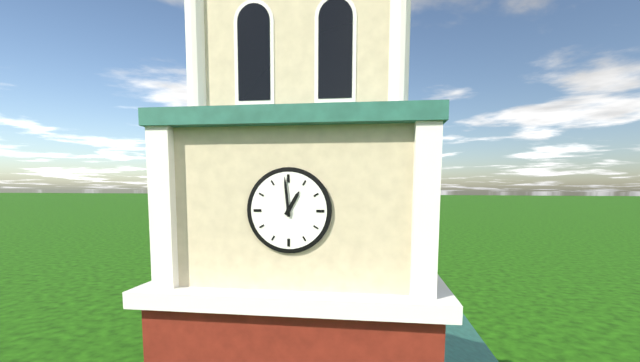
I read 12.59
